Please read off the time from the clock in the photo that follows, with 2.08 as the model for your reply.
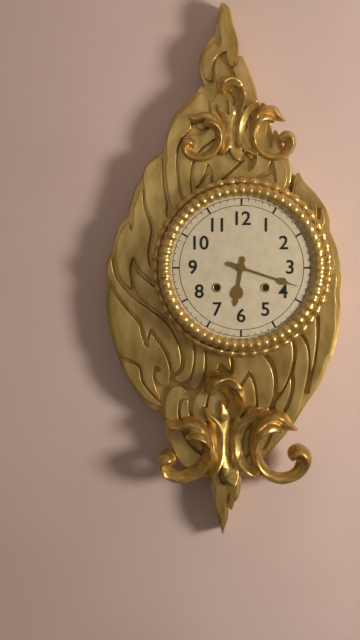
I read 6.18
